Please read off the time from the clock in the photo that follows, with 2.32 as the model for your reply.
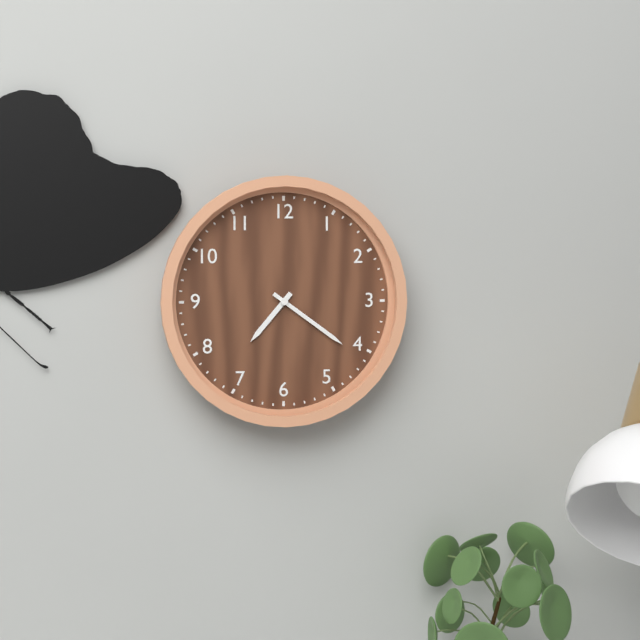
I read 7.21
